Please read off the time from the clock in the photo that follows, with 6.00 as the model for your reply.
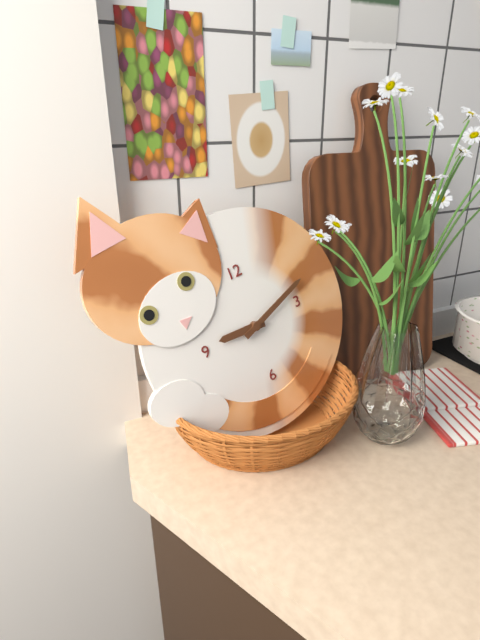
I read 9.12
